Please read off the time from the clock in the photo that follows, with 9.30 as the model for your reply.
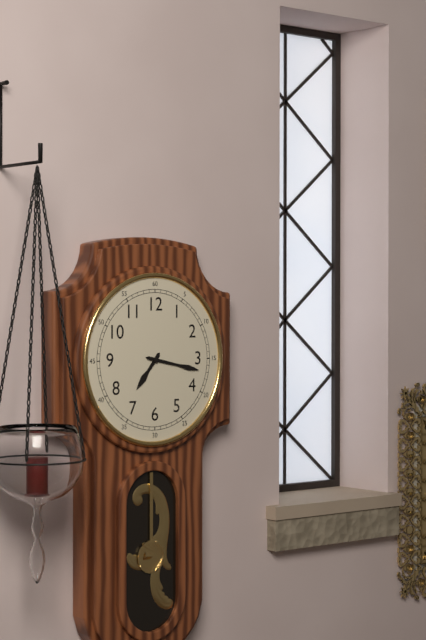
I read 7.17
